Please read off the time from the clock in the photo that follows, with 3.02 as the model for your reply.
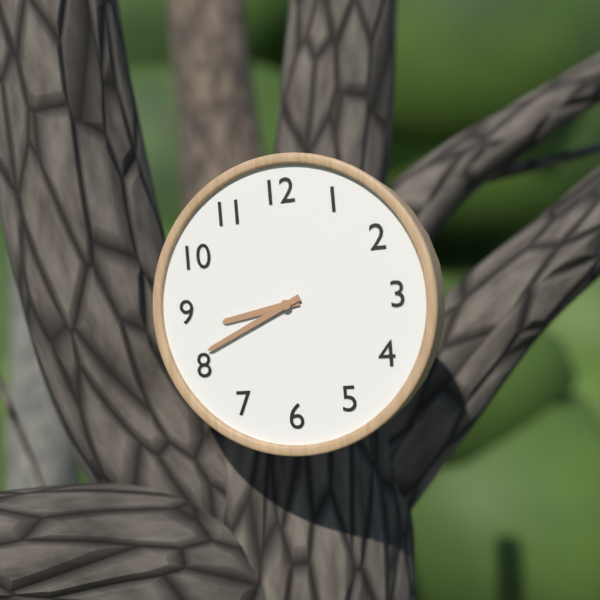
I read 8.41
